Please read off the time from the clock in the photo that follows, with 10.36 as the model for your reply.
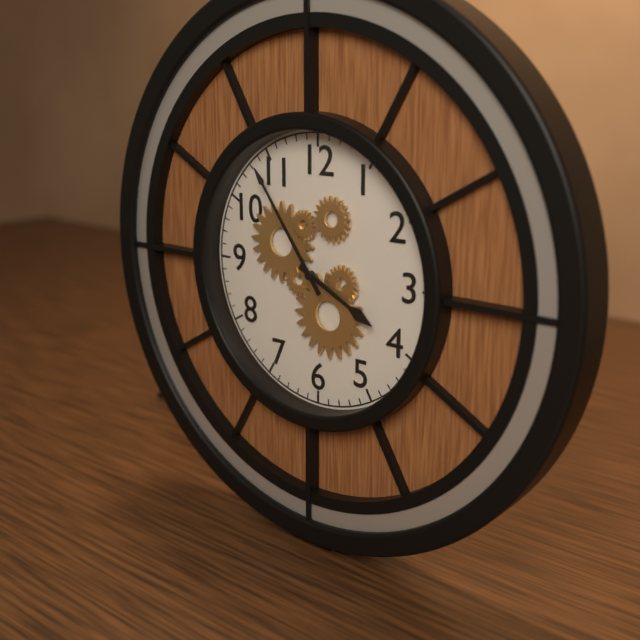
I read 3.54
